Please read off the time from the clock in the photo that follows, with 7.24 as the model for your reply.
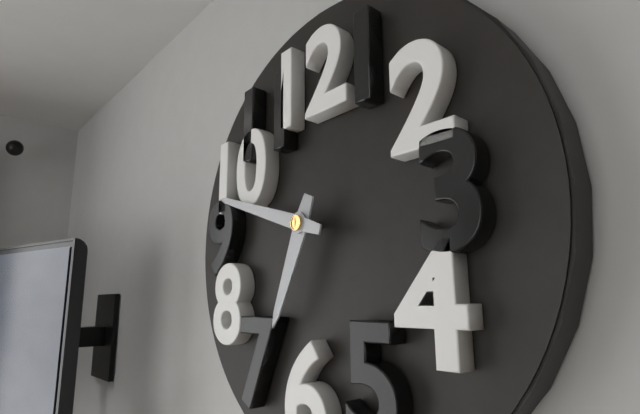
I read 6.48
